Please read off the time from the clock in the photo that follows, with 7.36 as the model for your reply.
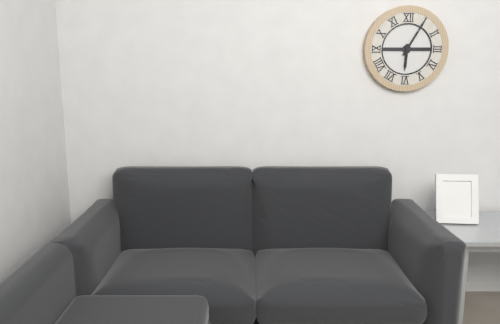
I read 6.05
